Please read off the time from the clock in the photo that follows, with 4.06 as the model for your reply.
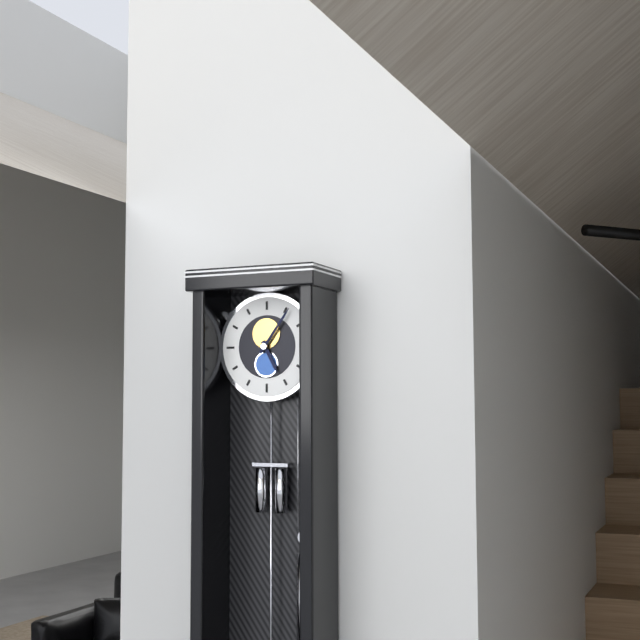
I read 5.06
